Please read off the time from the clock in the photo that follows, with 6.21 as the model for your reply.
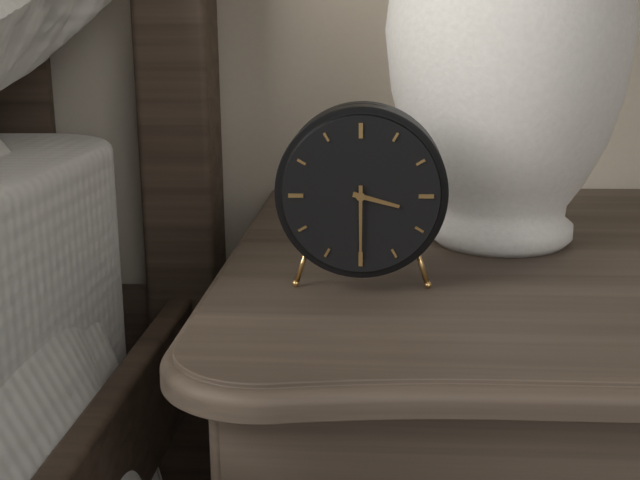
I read 3.30
